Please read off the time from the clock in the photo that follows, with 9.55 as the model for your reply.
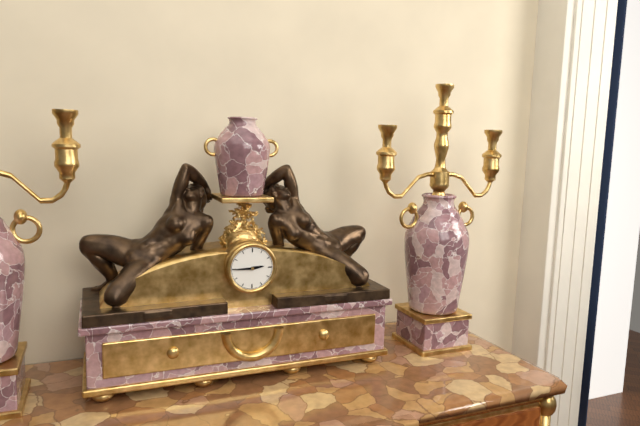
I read 2.45
